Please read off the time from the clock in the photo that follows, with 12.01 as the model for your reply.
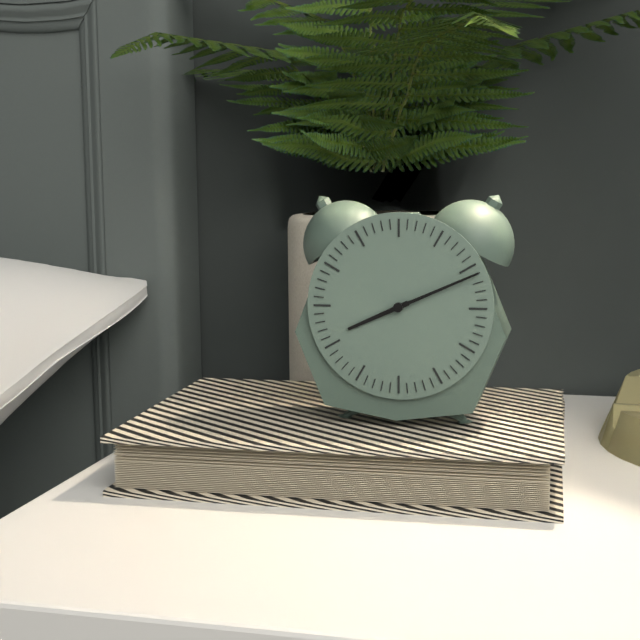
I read 8.11
